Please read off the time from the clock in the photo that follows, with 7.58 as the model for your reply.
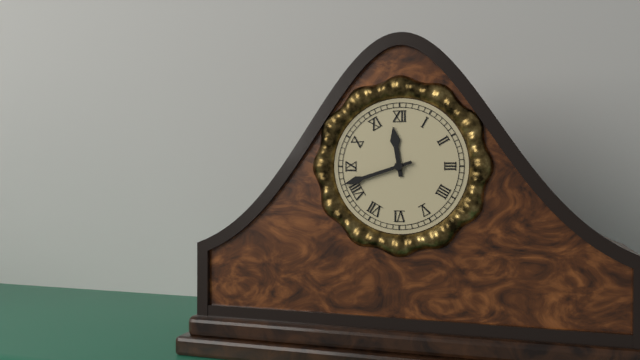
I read 11.42
